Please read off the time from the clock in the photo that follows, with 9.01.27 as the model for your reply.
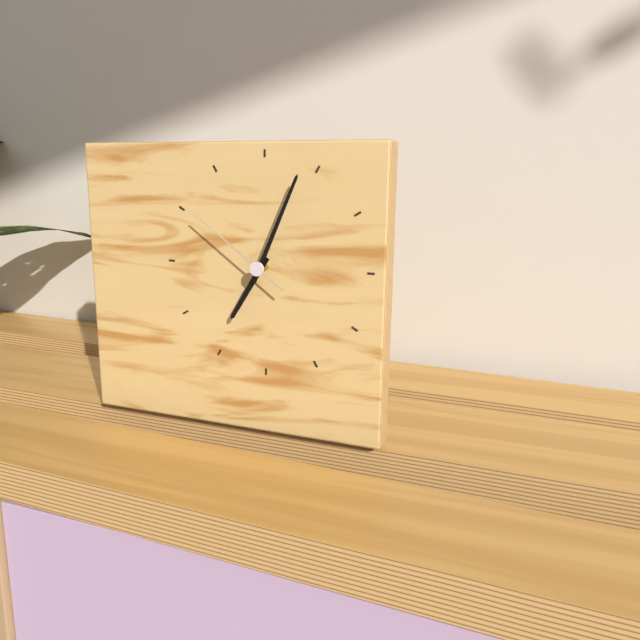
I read 7.04.51
